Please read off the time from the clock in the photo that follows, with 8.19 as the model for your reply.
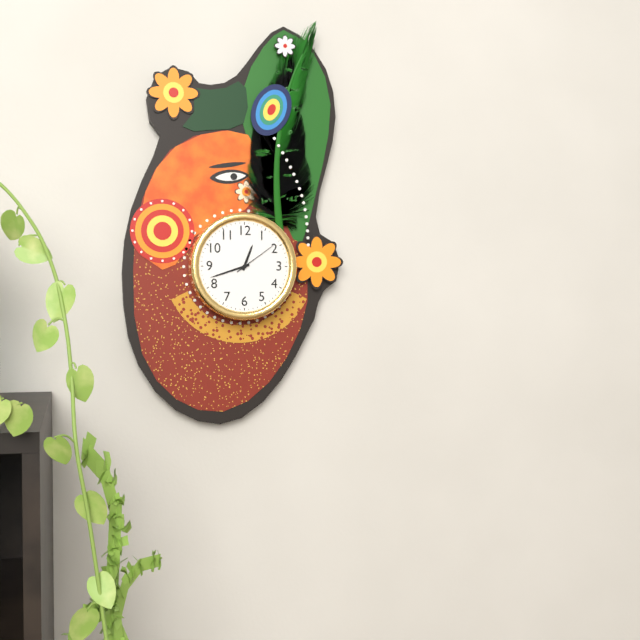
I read 12.42
